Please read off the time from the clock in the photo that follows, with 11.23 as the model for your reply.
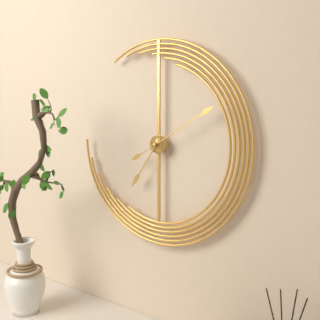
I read 7.10
